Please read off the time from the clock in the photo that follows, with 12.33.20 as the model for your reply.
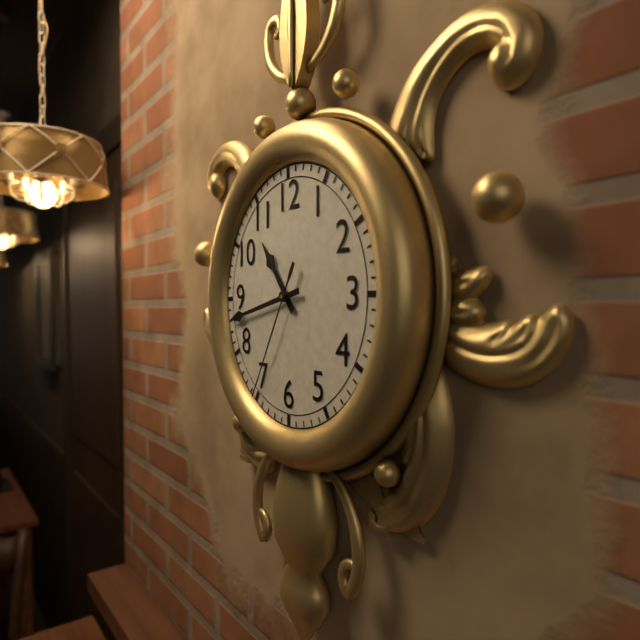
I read 10.43.35
